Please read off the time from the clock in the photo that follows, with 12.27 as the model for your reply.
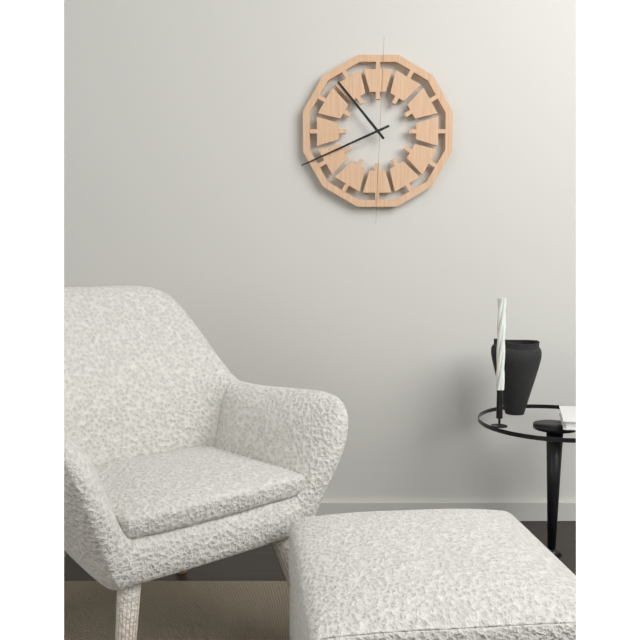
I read 10.41
